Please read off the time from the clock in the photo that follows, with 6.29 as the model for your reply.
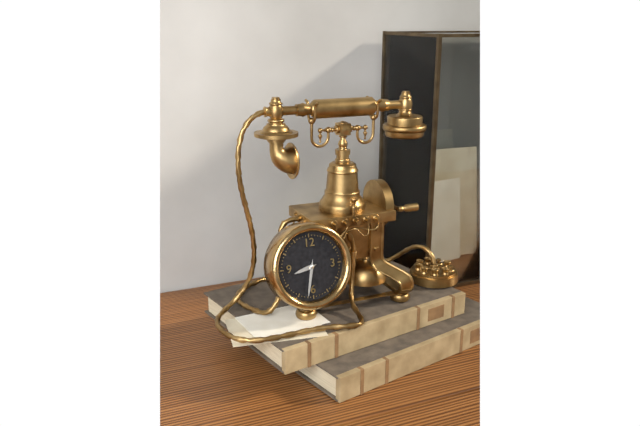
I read 8.32
